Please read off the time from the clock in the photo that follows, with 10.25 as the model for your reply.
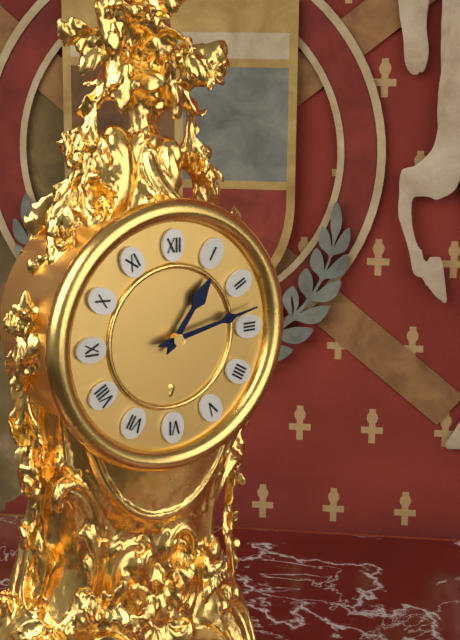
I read 1.13
